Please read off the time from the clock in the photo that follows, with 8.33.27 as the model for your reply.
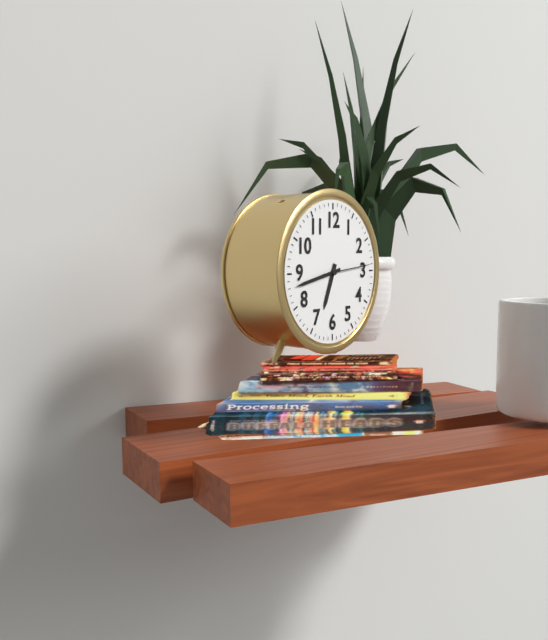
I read 6.43.14
